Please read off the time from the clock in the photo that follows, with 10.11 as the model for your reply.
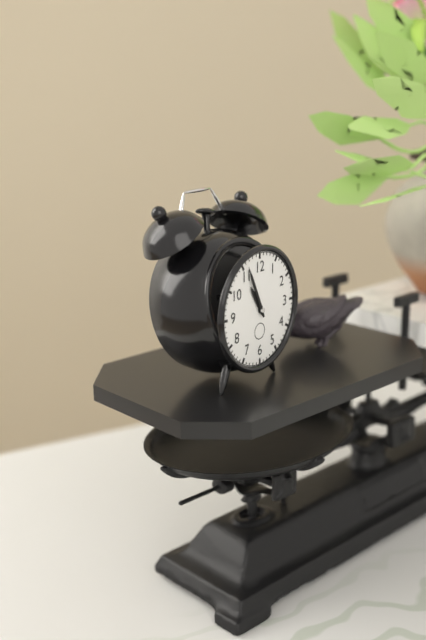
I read 10.56
